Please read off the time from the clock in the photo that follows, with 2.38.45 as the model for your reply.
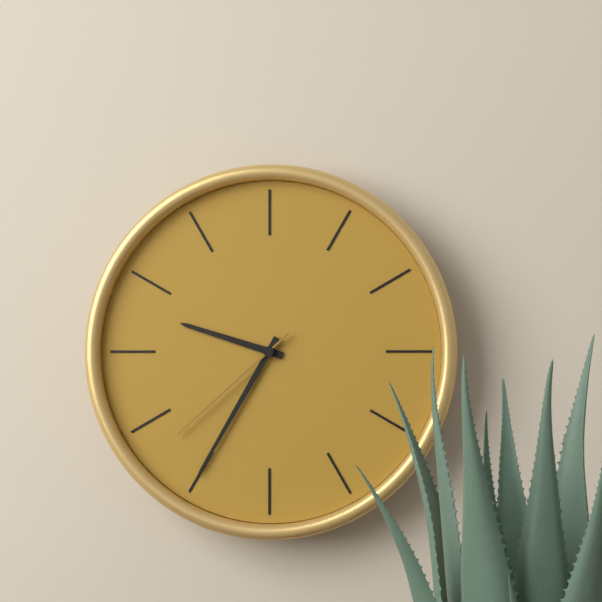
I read 9.35.38
